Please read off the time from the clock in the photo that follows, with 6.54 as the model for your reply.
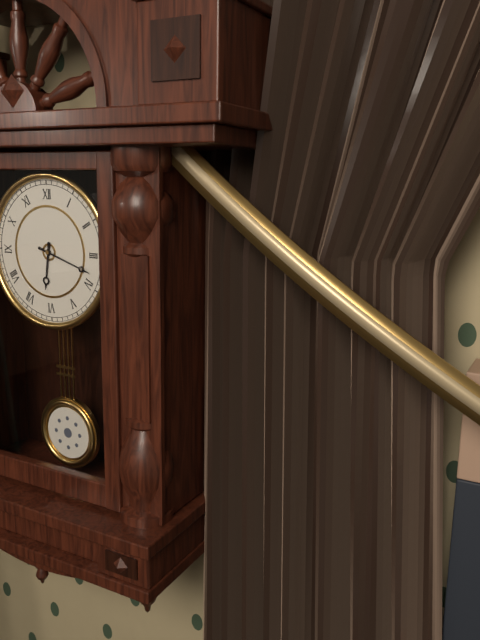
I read 6.18
